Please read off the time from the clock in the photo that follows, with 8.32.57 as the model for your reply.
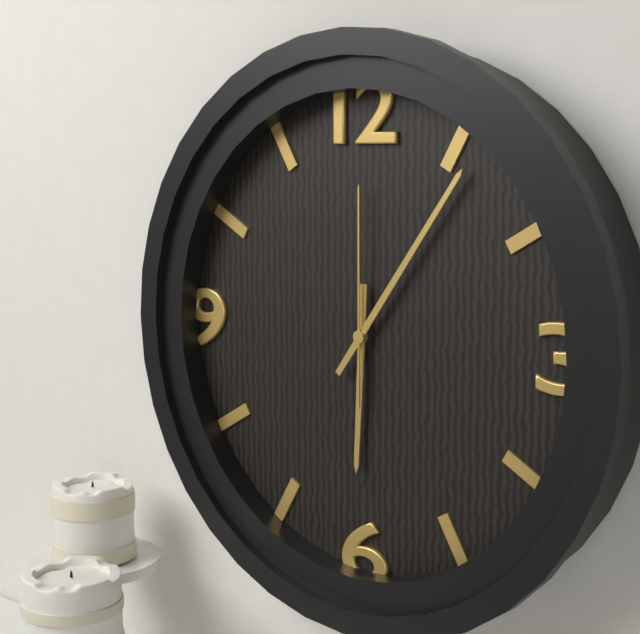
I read 6.06.00
